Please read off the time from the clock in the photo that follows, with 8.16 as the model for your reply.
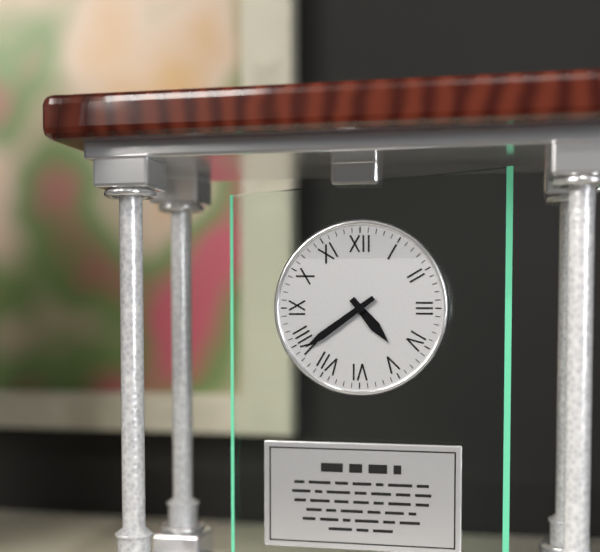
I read 4.39
